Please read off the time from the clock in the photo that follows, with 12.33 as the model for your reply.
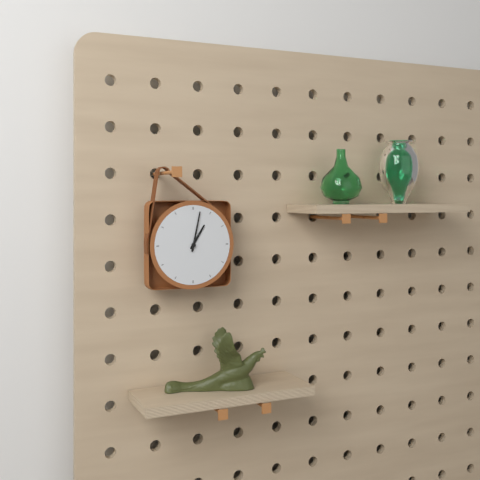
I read 1.02
